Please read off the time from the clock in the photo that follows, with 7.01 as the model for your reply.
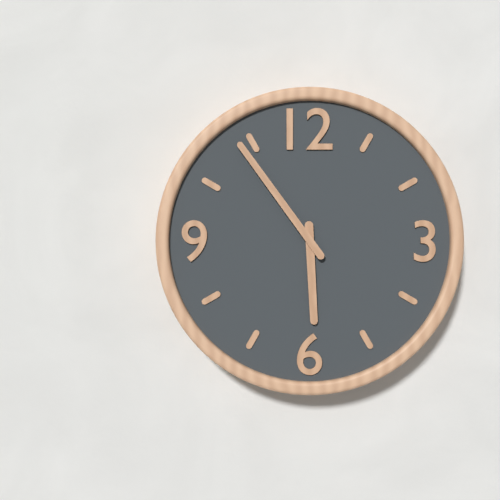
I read 5.54
